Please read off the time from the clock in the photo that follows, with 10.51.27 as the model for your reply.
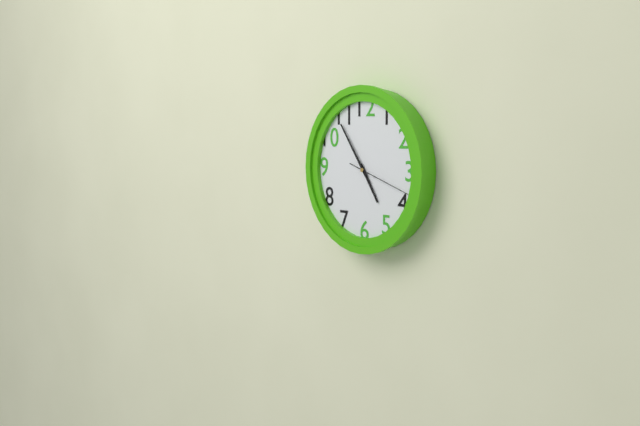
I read 4.54.18
